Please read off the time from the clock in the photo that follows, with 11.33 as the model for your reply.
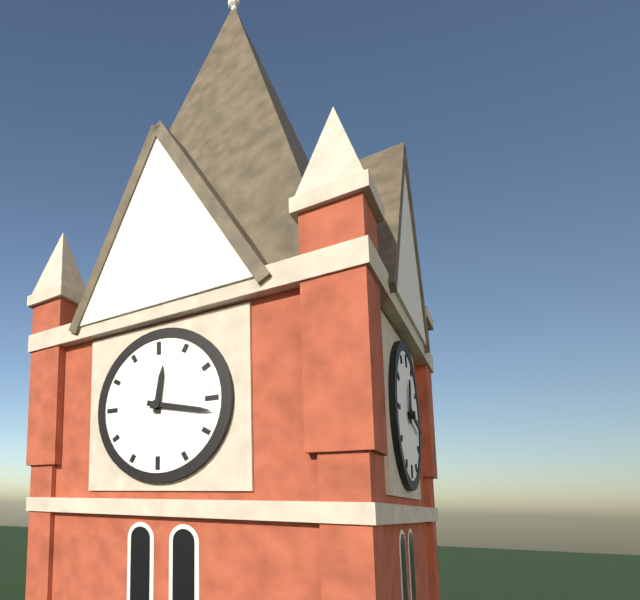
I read 12.17
